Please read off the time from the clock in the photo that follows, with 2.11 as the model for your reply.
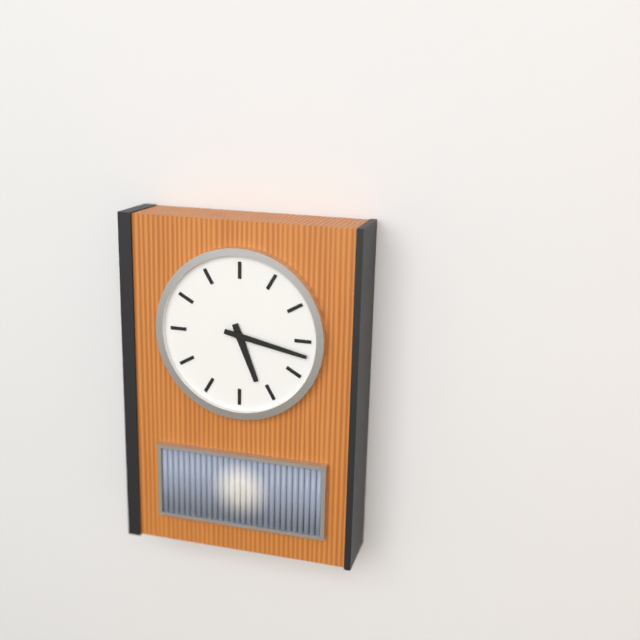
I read 5.17
